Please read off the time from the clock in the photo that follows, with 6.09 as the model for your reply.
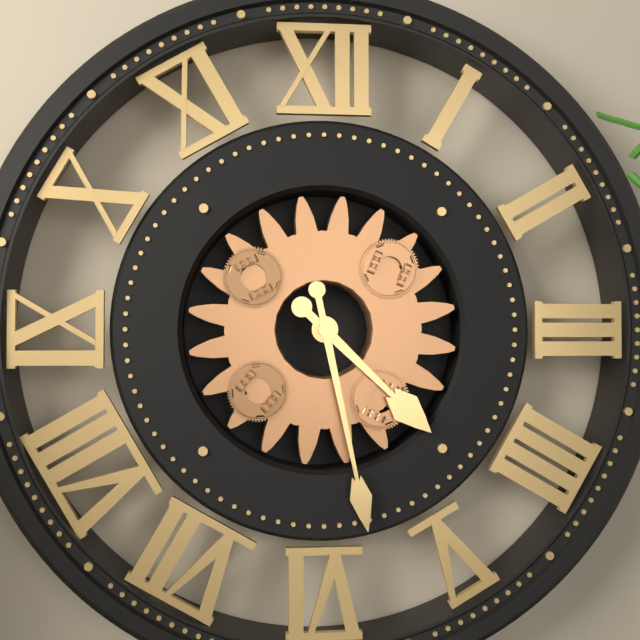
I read 4.28
